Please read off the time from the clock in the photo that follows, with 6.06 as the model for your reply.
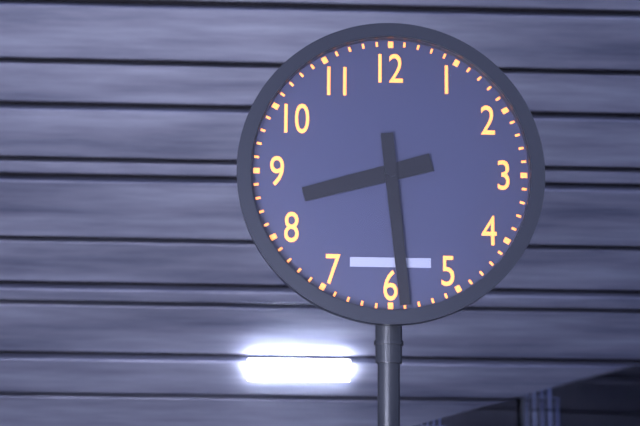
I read 8.29
